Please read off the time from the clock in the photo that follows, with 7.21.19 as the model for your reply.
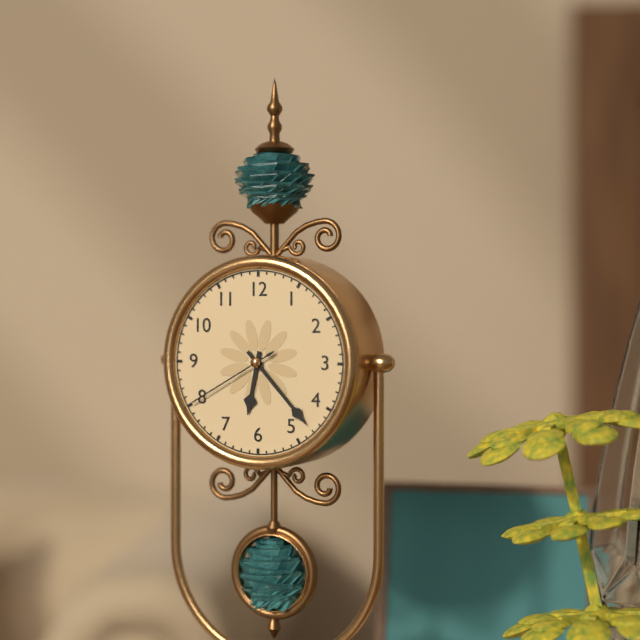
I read 6.23.40
